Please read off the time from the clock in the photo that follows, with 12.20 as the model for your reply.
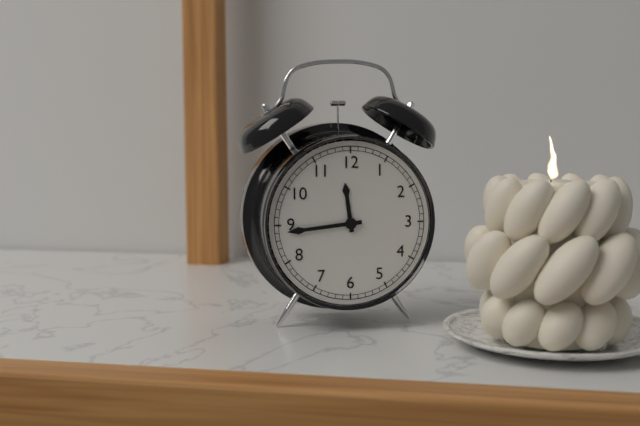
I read 11.44
